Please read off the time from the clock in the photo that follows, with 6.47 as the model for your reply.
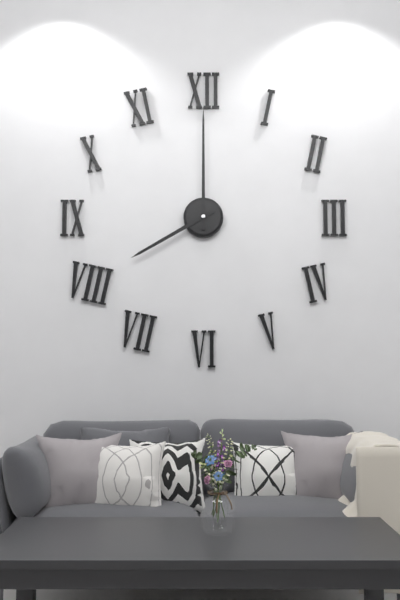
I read 8.00
